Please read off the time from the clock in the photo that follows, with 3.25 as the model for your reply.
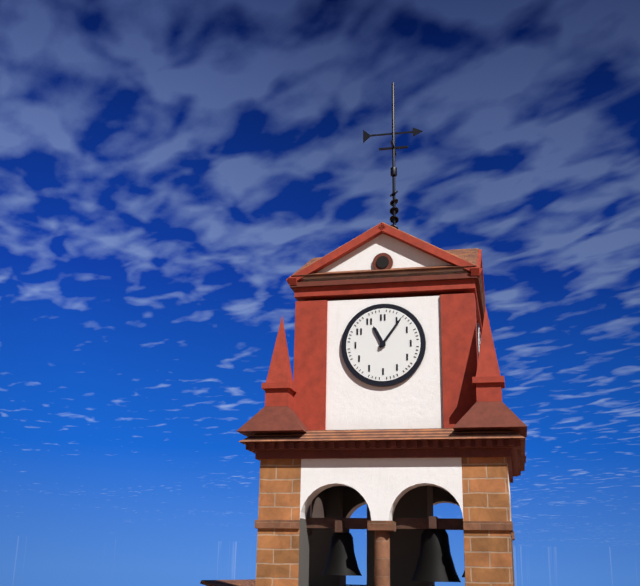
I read 11.06
